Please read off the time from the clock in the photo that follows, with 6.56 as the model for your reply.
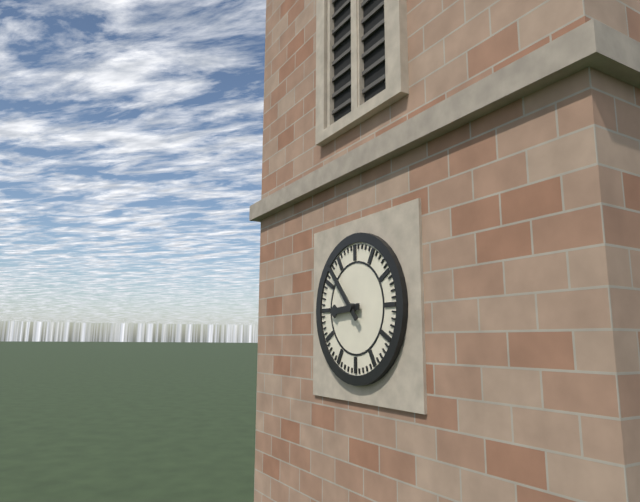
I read 8.53
